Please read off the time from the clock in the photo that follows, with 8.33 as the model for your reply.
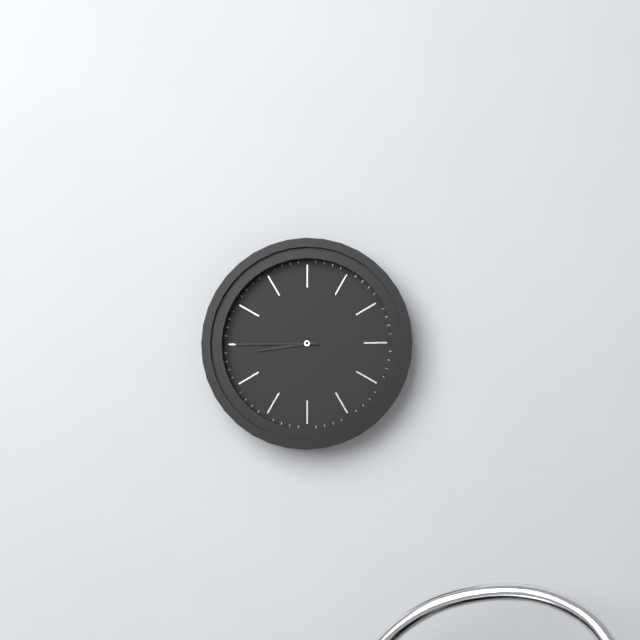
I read 8.45
